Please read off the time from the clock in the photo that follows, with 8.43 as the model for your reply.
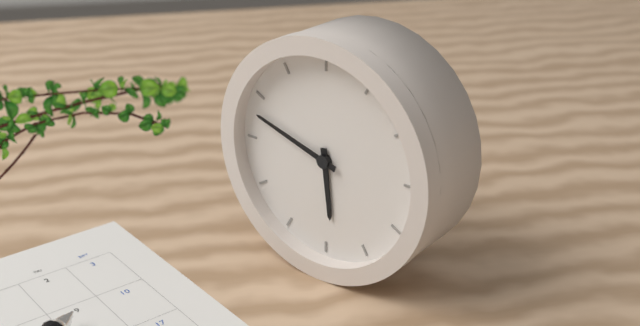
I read 5.48
